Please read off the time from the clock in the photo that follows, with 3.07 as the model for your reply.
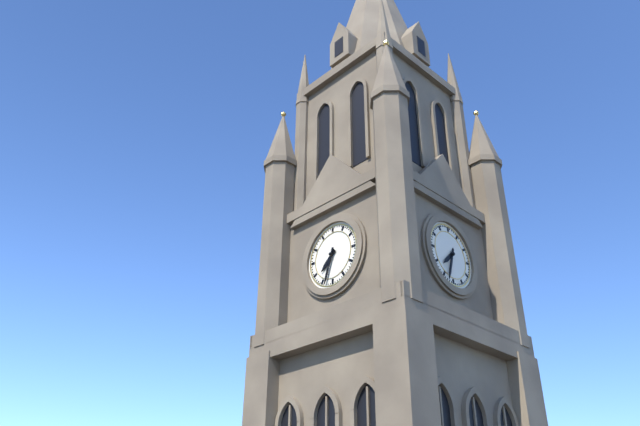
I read 7.33
